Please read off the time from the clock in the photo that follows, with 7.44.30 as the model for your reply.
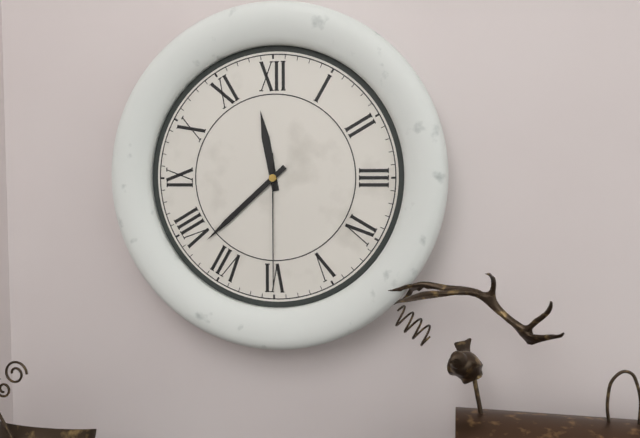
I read 11.38.30
